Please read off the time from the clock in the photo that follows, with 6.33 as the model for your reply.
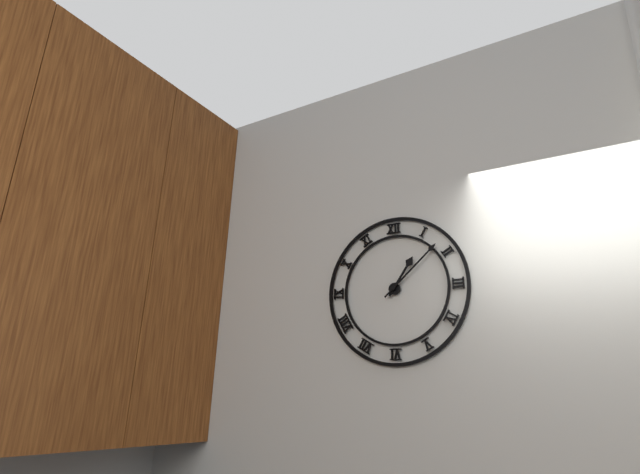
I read 1.08
